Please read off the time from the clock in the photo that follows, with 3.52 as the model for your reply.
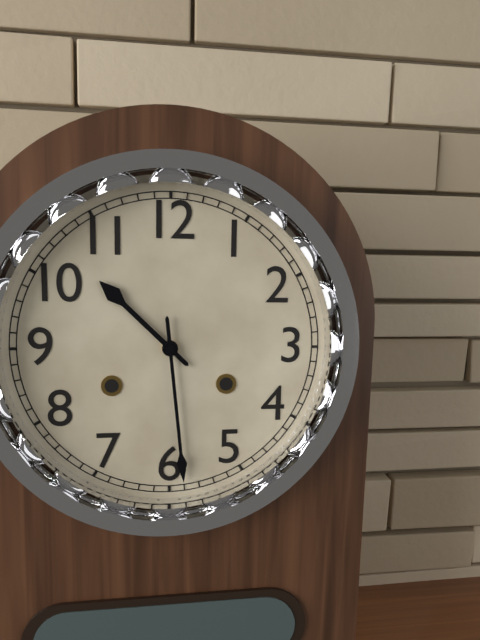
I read 10.29
